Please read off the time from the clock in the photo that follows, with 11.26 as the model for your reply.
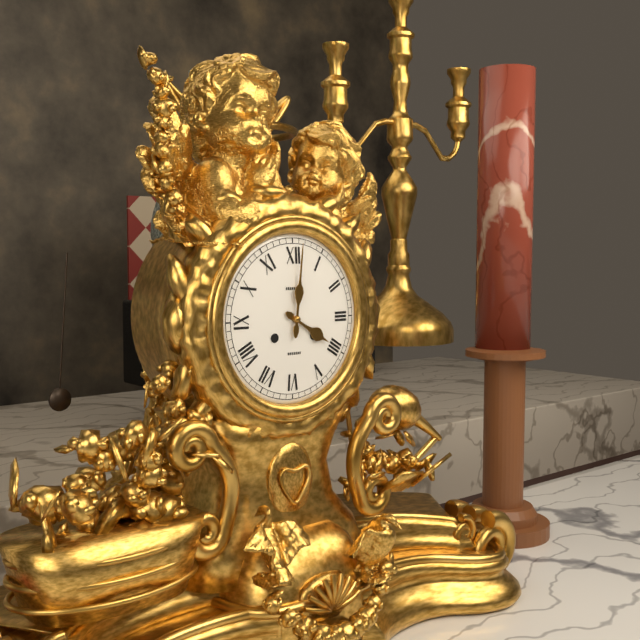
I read 4.01
